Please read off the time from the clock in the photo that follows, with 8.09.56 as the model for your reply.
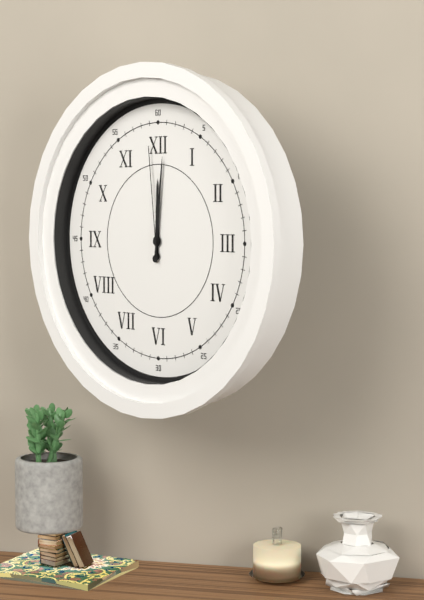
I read 12.01.59
